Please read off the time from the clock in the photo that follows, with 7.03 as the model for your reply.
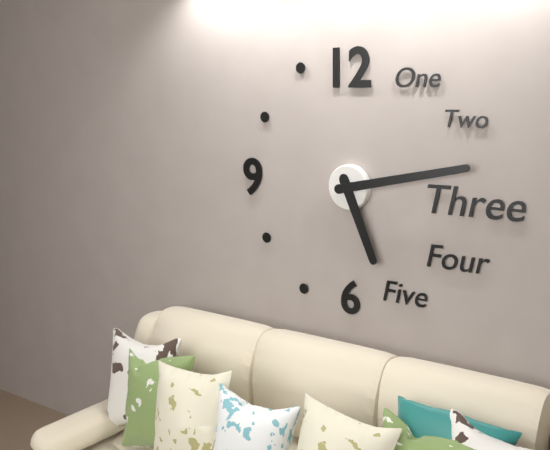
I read 5.13
